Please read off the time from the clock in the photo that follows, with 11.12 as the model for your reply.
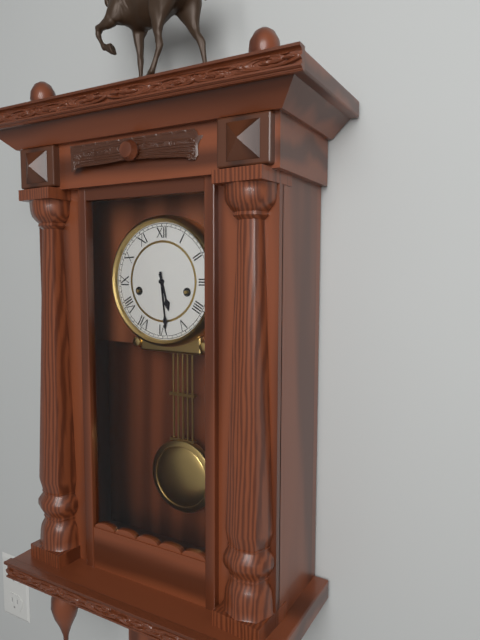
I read 5.29
